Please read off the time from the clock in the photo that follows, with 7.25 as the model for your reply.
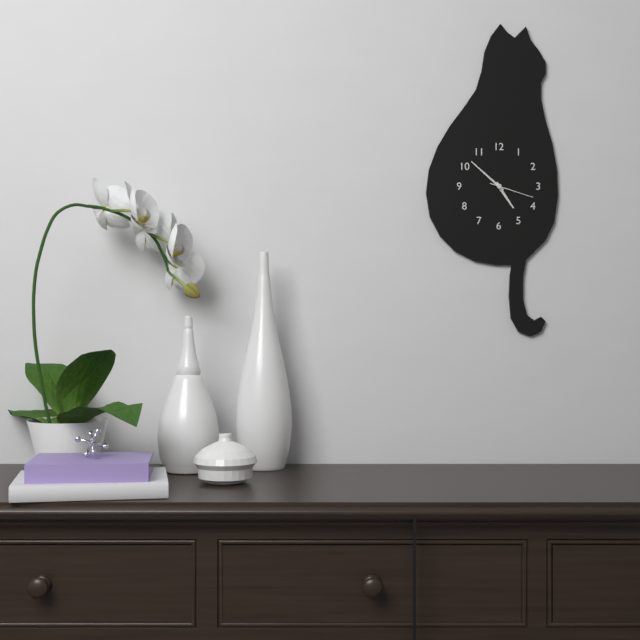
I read 4.52
